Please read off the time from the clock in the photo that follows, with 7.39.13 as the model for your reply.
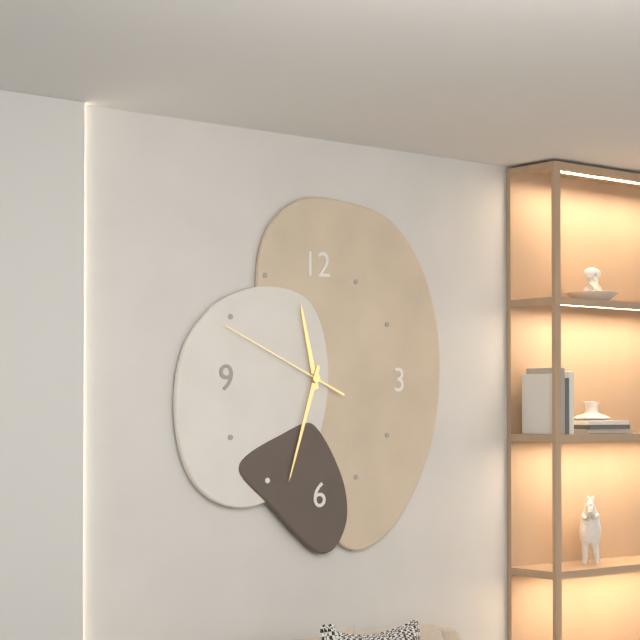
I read 11.33.49
